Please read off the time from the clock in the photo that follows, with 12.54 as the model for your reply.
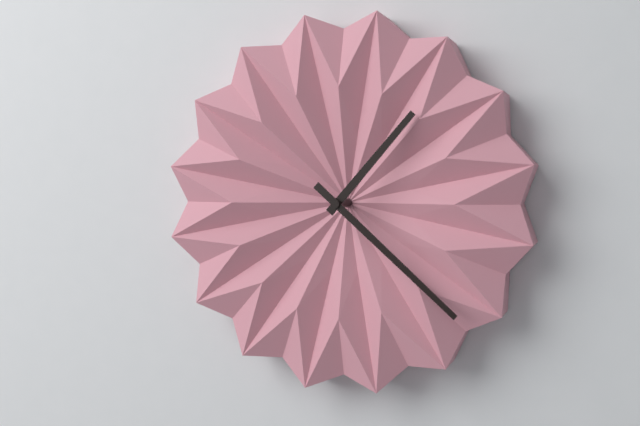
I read 1.22
